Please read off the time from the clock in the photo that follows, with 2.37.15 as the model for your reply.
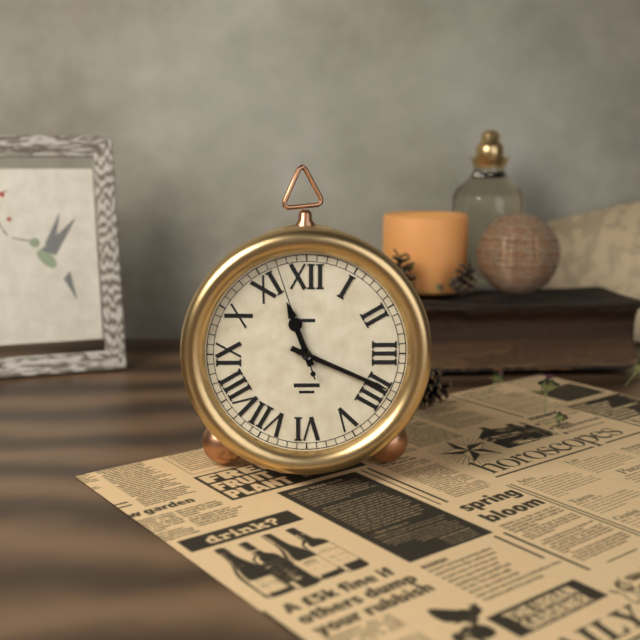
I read 11.19.57
